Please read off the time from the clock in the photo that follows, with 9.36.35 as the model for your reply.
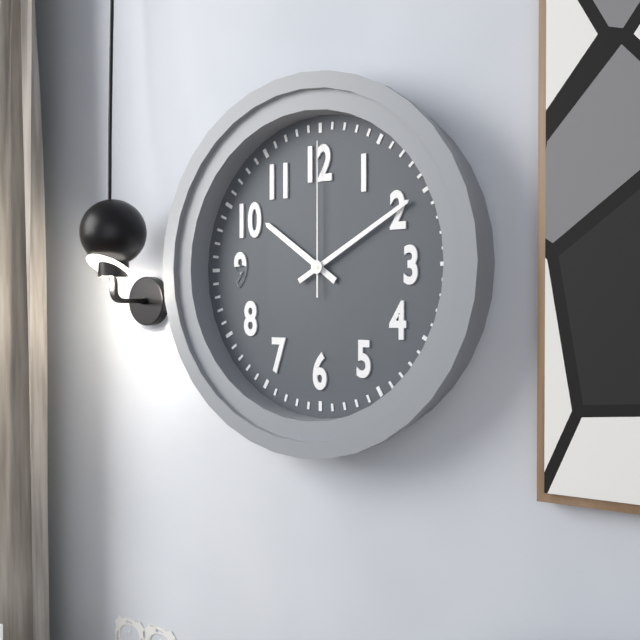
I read 10.10.00
